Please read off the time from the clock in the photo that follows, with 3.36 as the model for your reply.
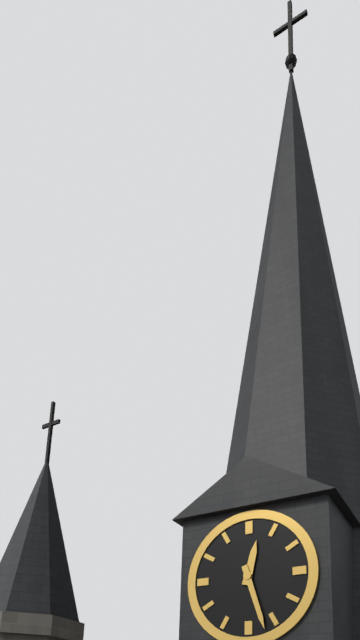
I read 12.27
